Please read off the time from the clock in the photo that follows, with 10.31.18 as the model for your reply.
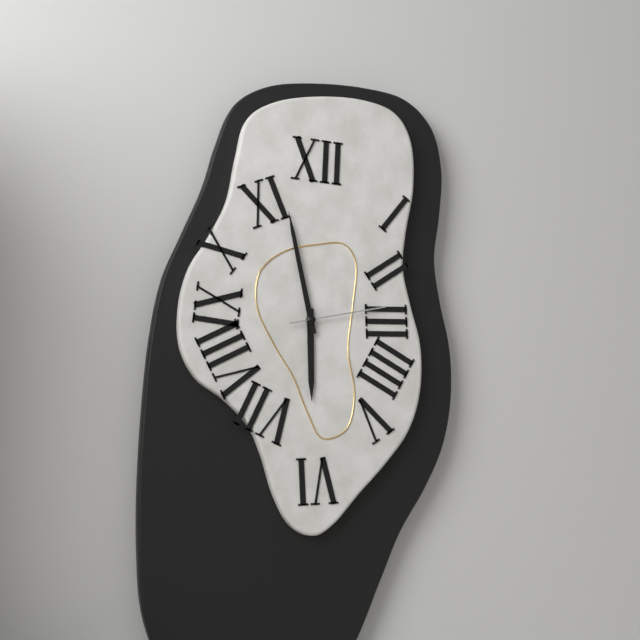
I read 5.58.13
